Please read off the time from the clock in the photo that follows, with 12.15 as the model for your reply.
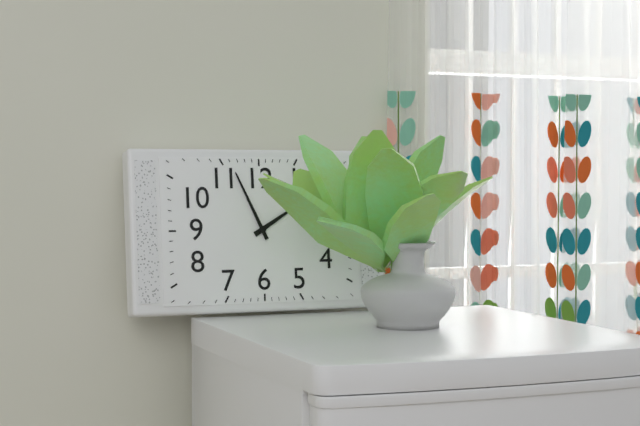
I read 1.56
